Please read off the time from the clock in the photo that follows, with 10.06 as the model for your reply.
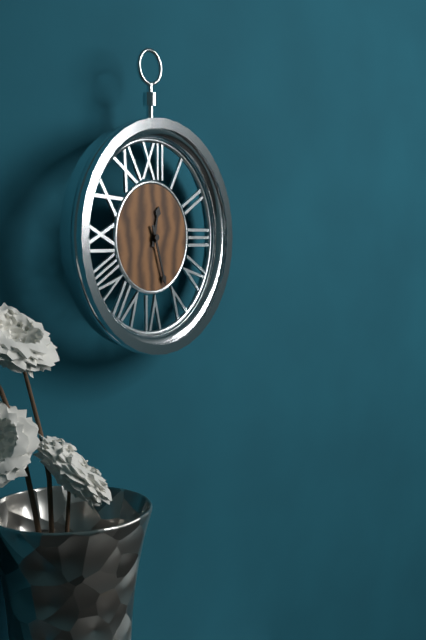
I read 12.27
